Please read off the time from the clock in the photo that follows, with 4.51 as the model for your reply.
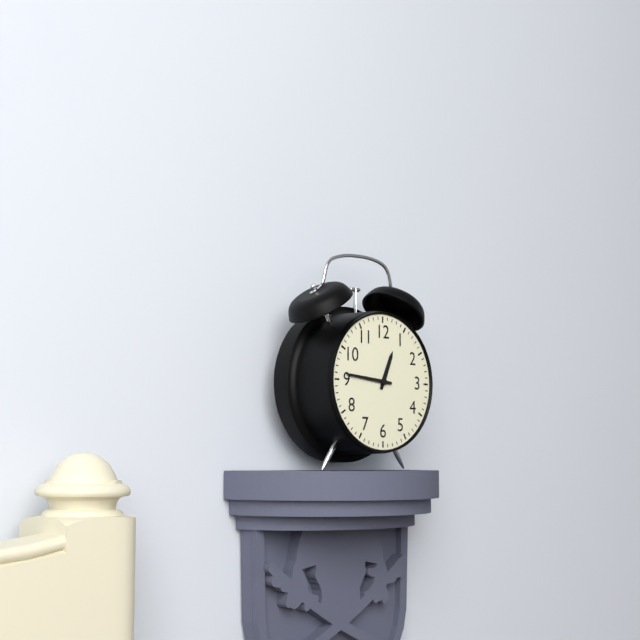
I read 12.46
